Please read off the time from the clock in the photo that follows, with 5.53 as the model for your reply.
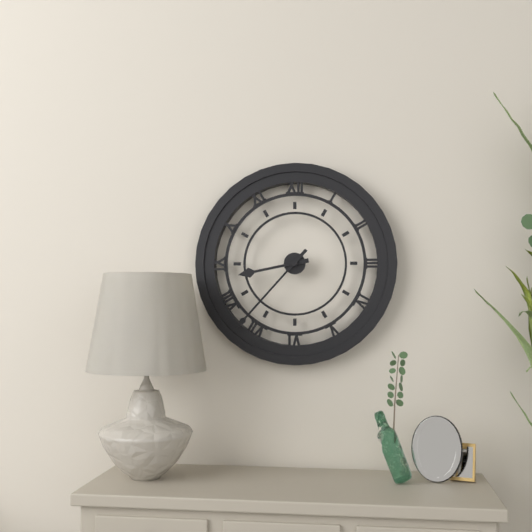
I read 8.37
